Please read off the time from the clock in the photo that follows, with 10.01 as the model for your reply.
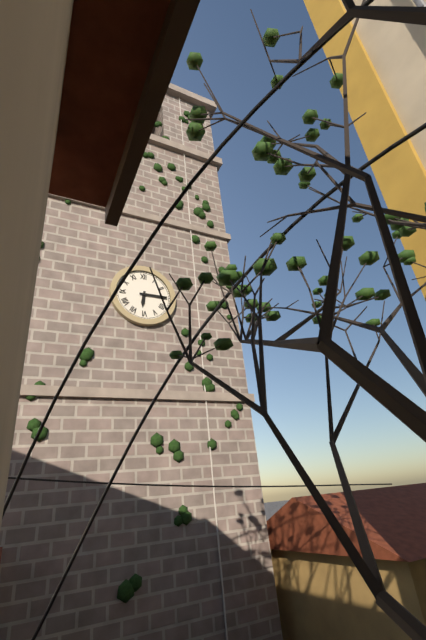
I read 6.15
